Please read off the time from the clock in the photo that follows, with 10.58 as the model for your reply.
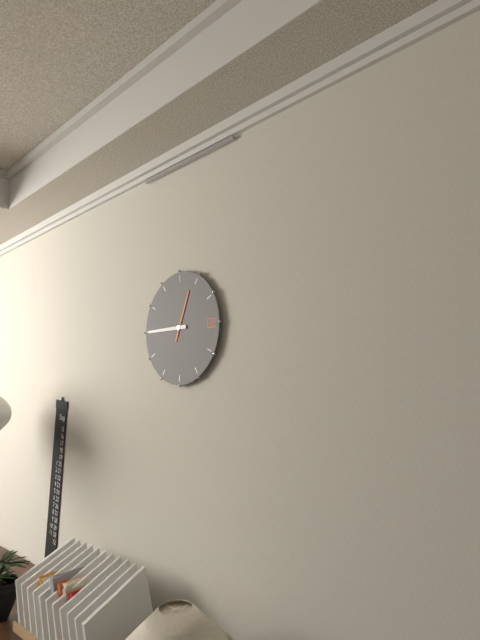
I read 12.45
